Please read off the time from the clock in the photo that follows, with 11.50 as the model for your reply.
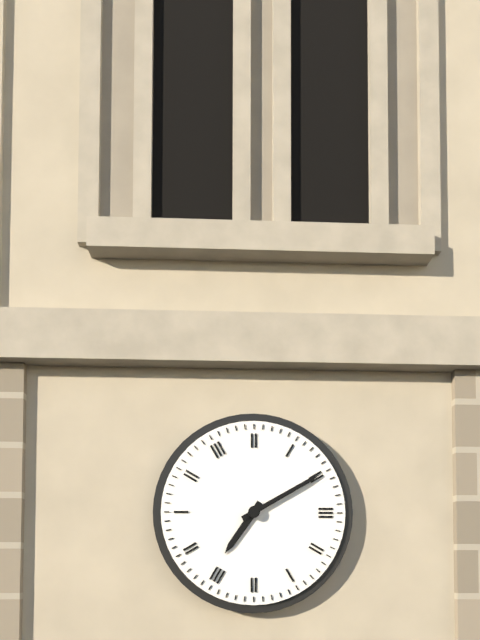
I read 7.10
